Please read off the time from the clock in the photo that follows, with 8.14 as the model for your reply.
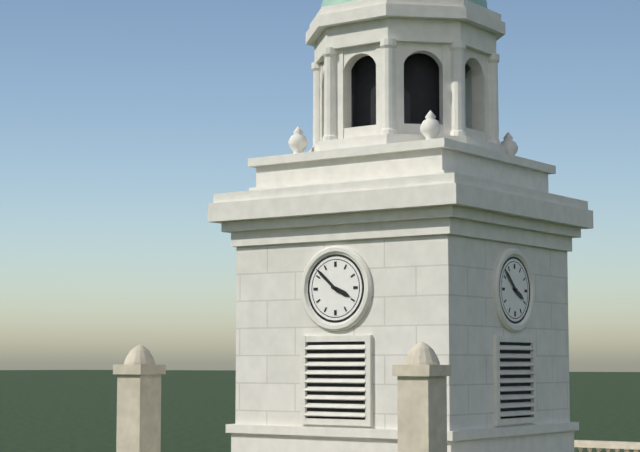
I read 3.52
